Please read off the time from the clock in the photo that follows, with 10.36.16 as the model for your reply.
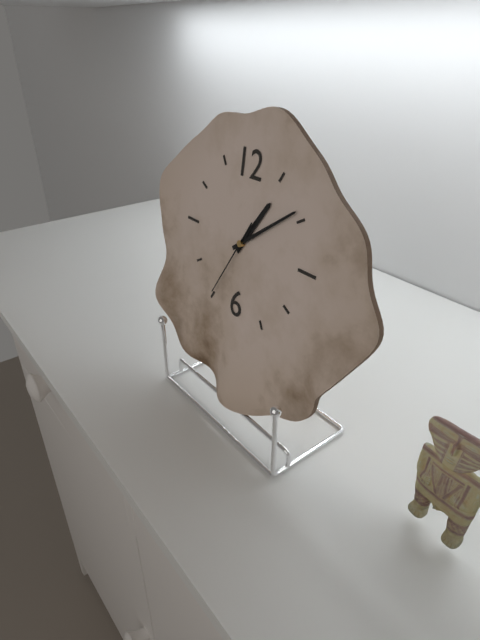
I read 1.09.35
